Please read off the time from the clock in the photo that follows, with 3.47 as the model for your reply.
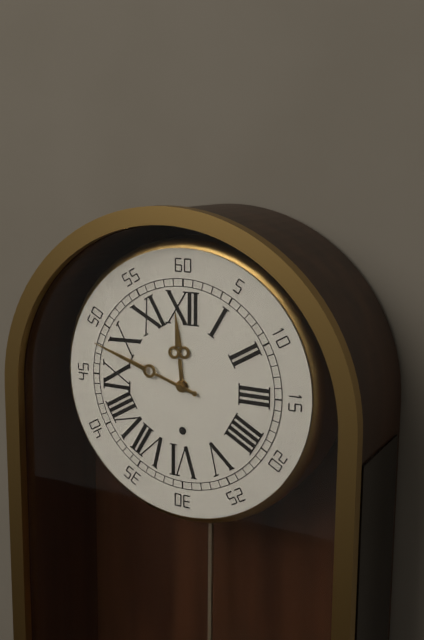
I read 11.48
